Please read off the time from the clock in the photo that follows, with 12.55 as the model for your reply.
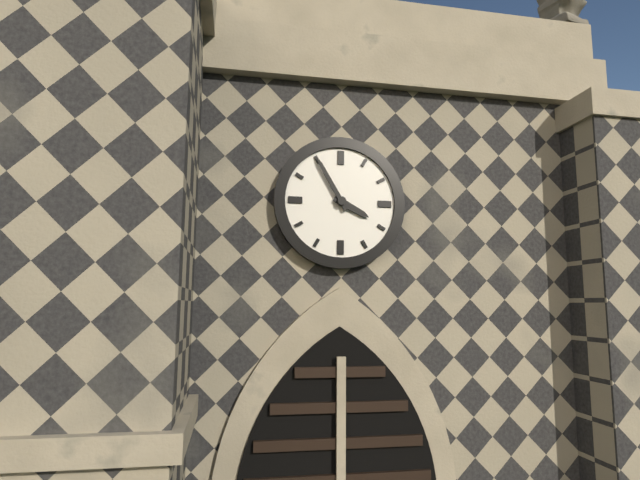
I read 3.55
